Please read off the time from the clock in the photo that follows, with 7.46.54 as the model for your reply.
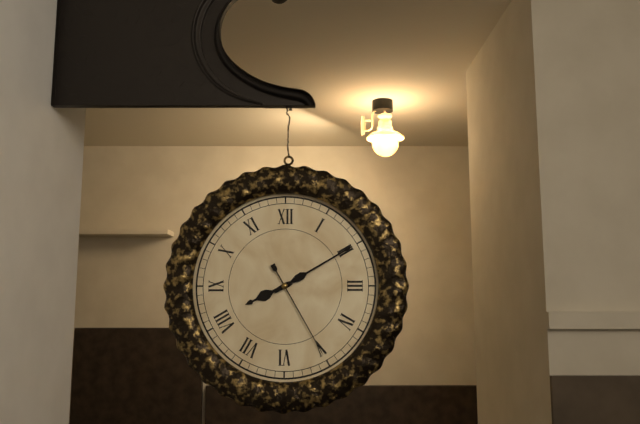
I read 8.10.25
